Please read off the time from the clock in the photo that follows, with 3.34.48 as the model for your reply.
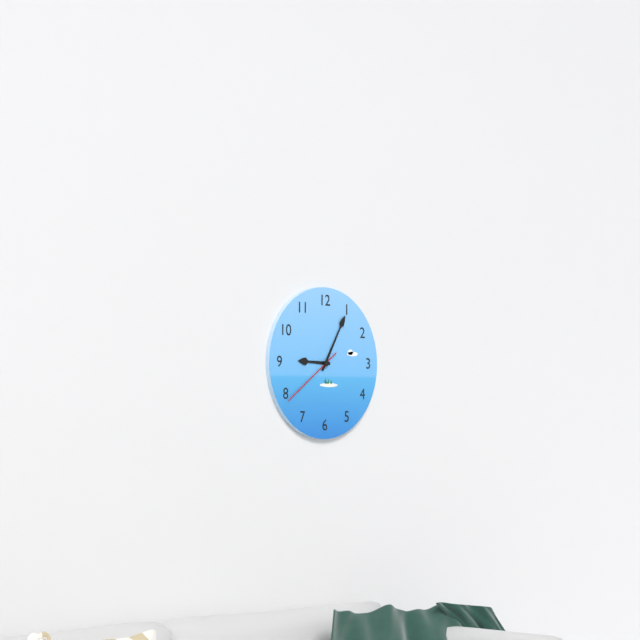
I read 9.05.39
